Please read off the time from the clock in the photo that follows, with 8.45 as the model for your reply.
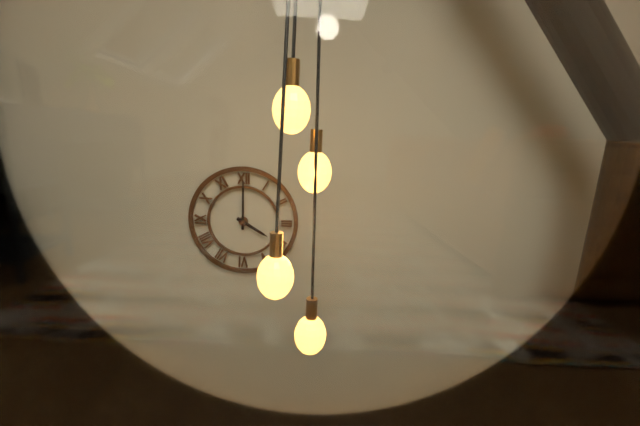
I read 4.00
